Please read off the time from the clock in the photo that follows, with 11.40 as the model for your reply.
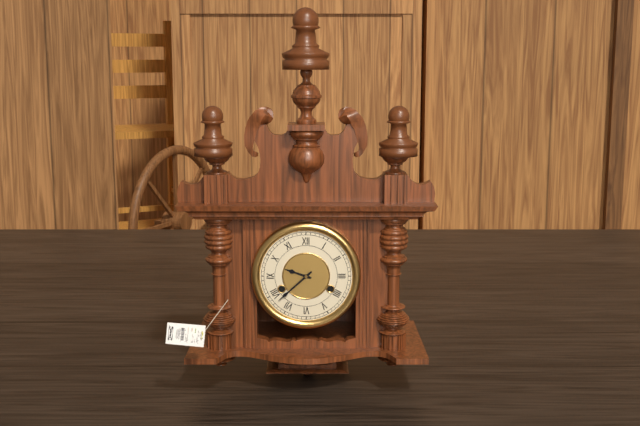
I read 9.38
